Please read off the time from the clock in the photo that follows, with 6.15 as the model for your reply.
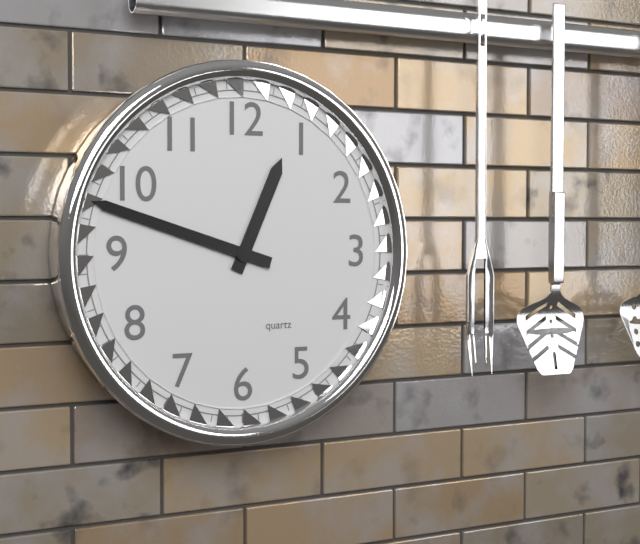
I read 12.48
